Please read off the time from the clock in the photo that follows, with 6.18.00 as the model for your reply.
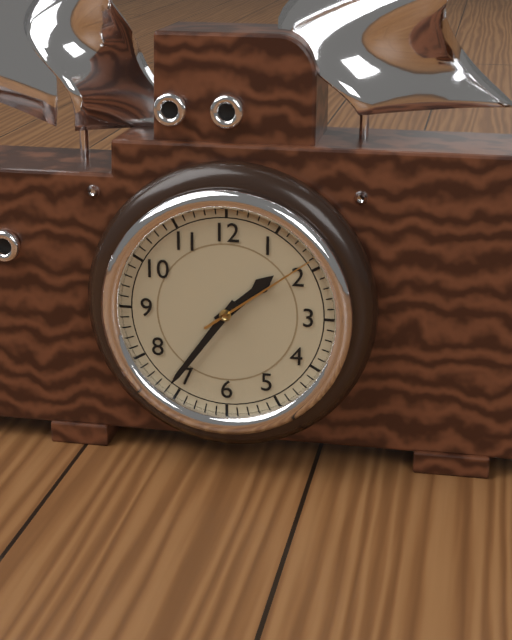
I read 1.36.09
